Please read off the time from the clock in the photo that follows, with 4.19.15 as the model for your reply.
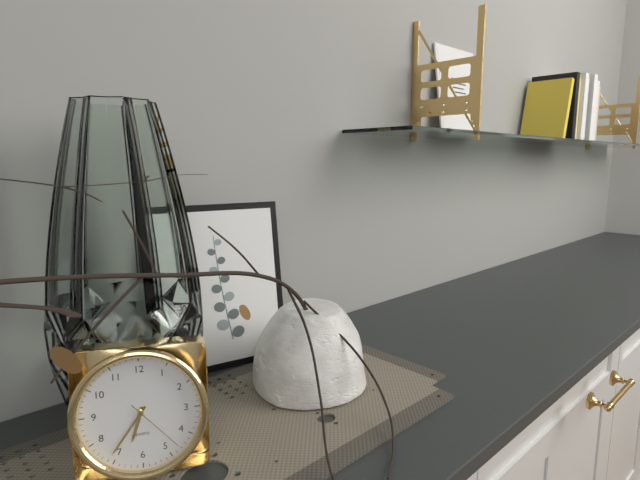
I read 6.36.23
